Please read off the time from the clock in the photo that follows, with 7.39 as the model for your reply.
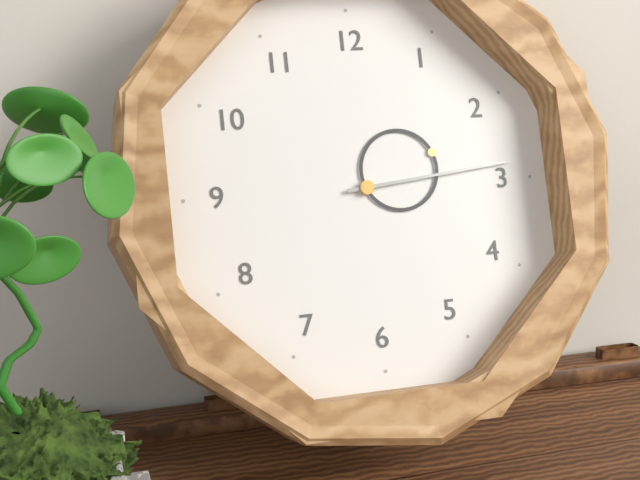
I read 2.14
